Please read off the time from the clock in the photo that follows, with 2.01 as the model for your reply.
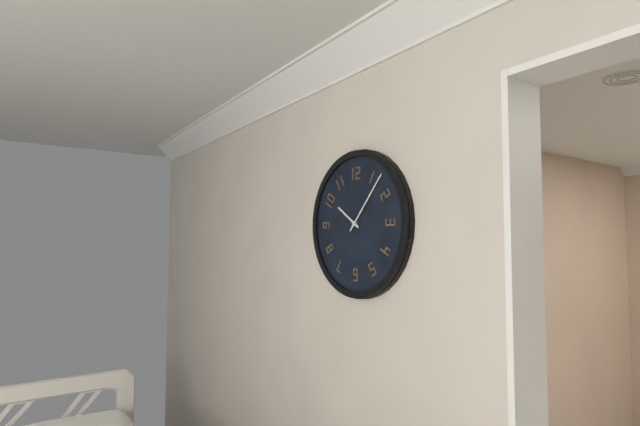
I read 10.07
